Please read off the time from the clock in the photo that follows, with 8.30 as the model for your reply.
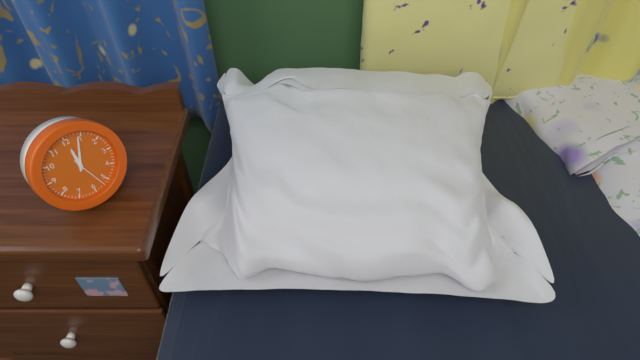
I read 12.04
